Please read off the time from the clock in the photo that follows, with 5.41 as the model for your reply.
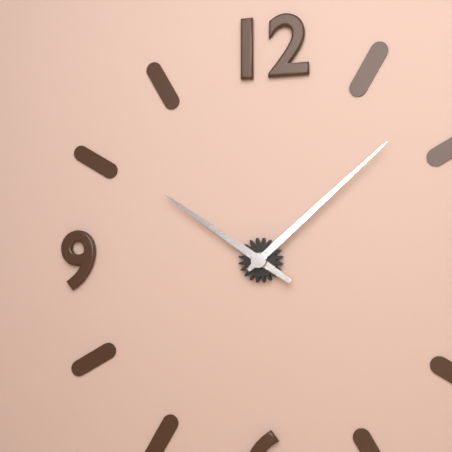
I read 10.08
